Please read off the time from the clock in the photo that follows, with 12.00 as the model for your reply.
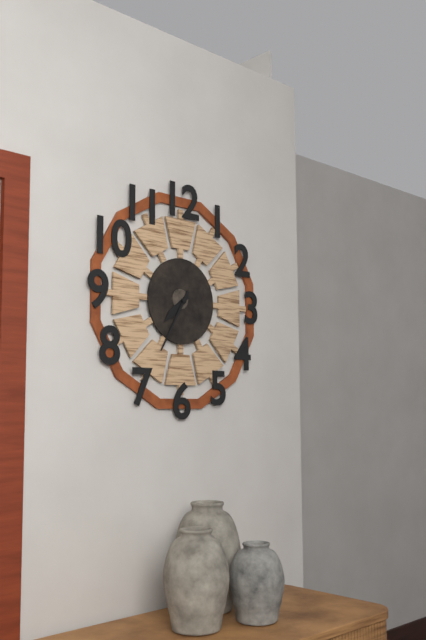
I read 7.35
